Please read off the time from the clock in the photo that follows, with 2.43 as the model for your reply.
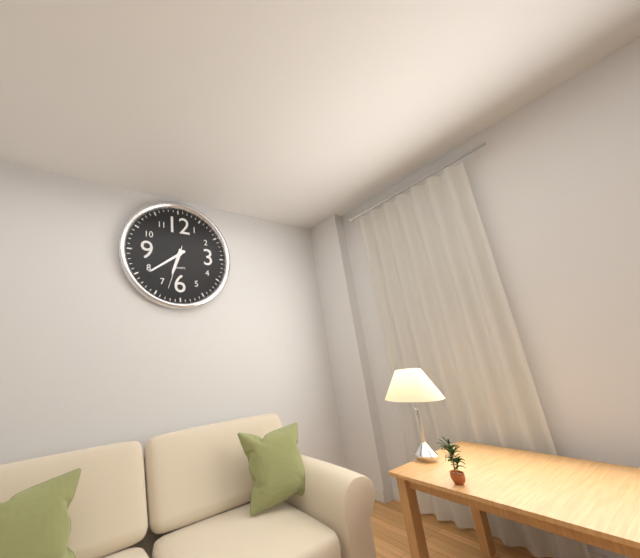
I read 6.39
